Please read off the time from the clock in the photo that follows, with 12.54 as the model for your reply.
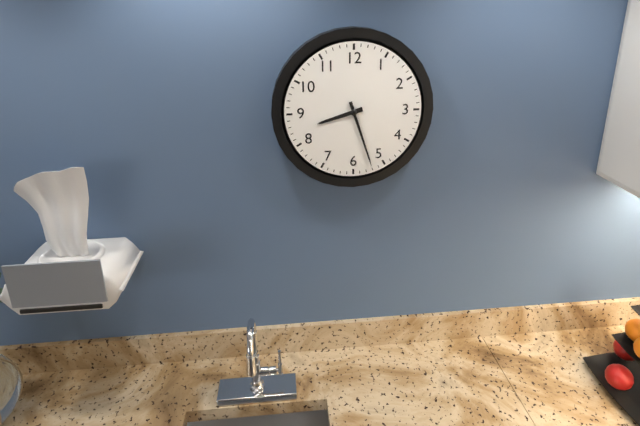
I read 8.27
